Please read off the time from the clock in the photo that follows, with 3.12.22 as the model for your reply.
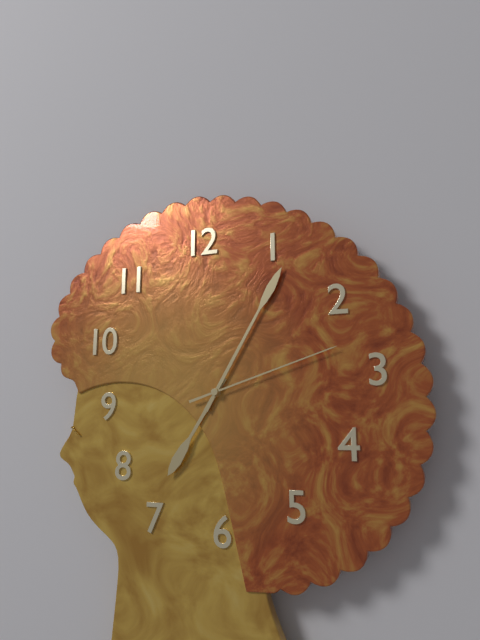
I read 7.05.12
